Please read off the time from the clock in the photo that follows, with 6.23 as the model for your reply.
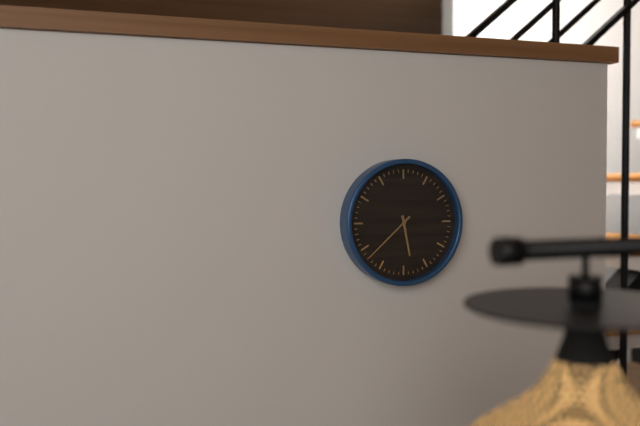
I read 5.38
